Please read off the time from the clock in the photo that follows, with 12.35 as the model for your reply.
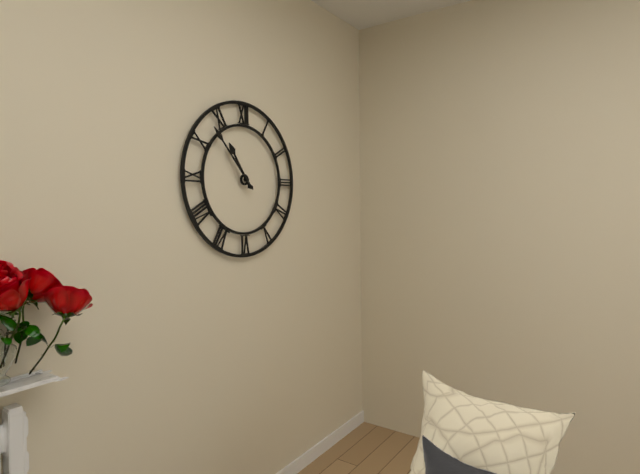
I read 10.53
